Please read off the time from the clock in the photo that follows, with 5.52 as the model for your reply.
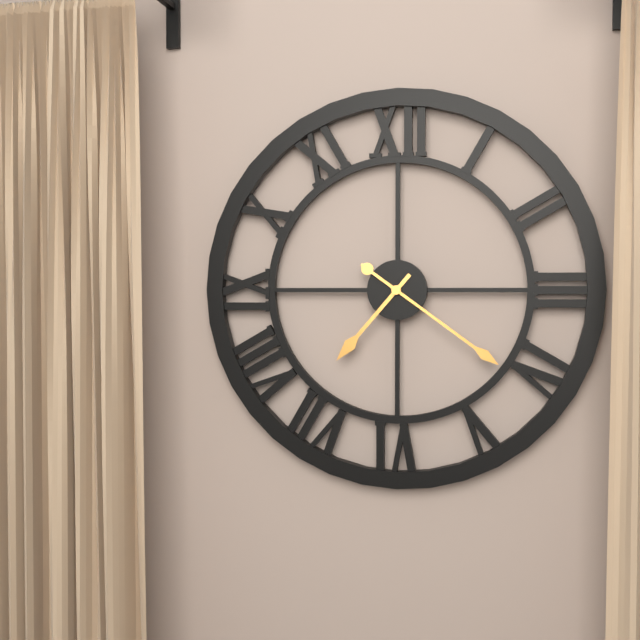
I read 7.21
